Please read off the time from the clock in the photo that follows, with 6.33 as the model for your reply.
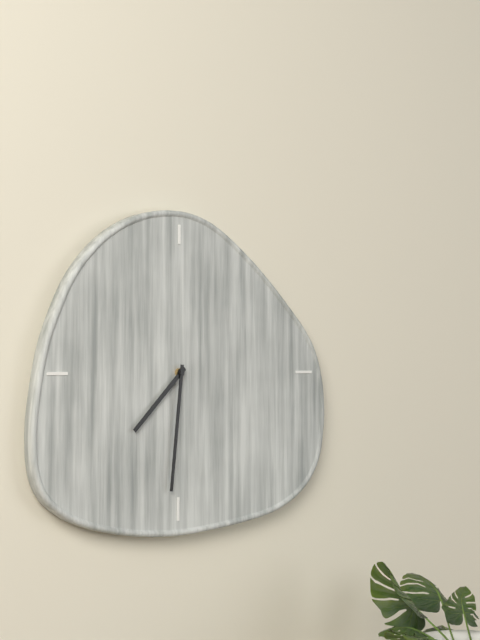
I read 7.31
